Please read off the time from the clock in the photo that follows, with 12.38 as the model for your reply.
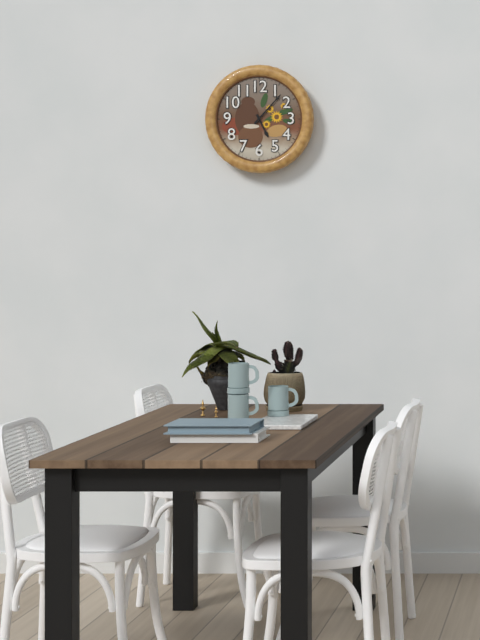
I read 5.07
